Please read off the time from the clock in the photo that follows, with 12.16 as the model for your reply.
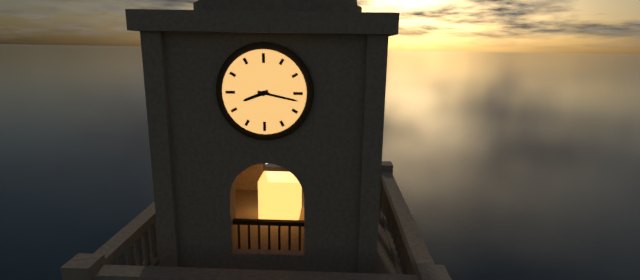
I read 8.17
